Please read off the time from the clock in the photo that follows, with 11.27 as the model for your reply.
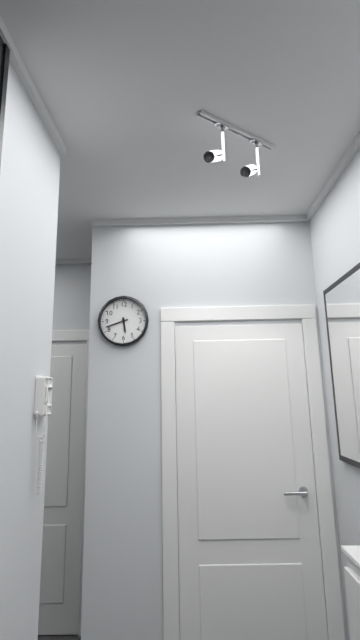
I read 5.42
